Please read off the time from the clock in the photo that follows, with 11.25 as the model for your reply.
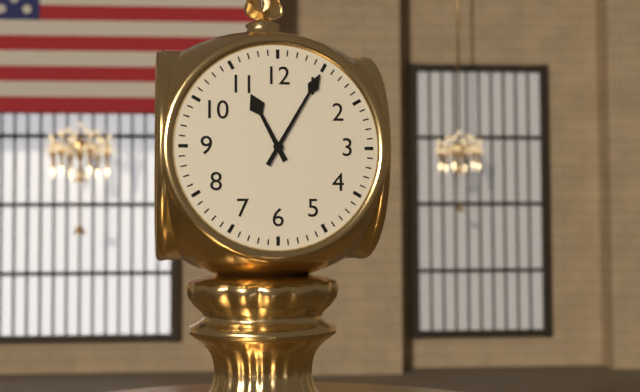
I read 11.05
